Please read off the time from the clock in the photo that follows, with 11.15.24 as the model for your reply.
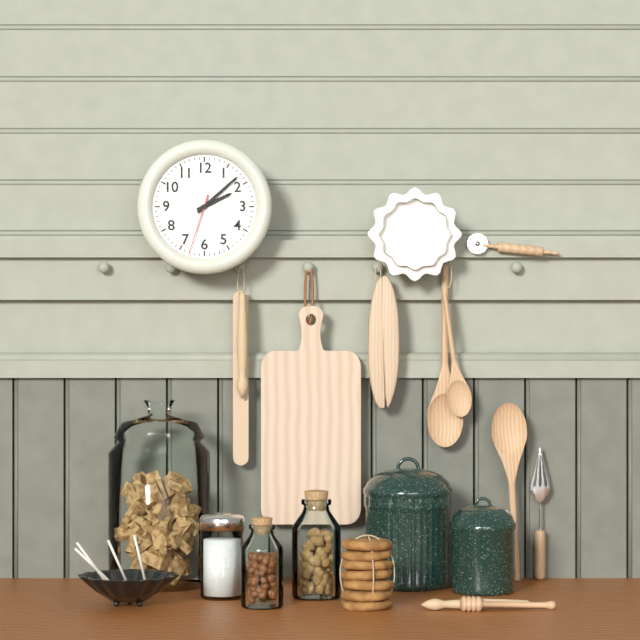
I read 2.08.33
